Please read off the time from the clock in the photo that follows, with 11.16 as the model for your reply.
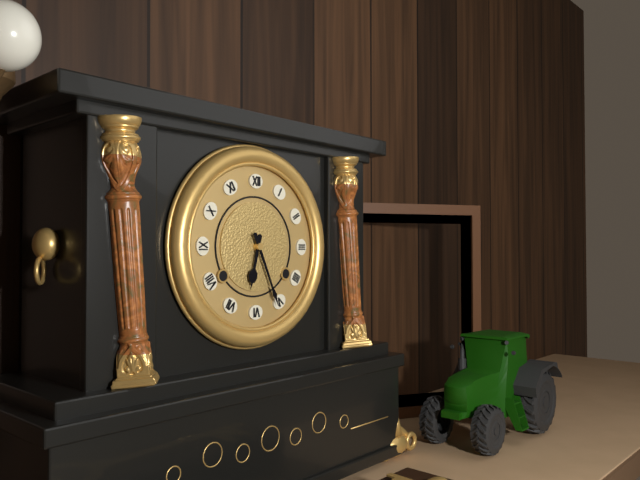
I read 6.26
